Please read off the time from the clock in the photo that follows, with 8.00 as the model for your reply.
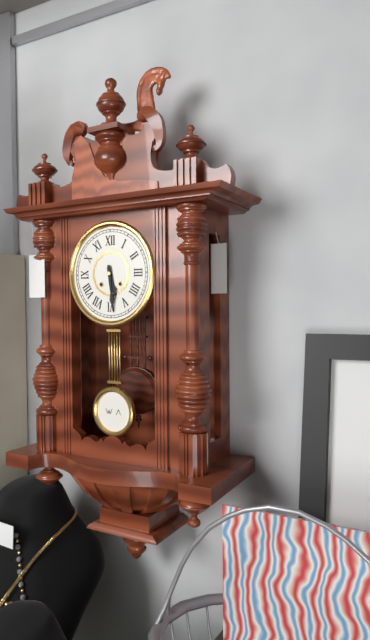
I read 5.29
